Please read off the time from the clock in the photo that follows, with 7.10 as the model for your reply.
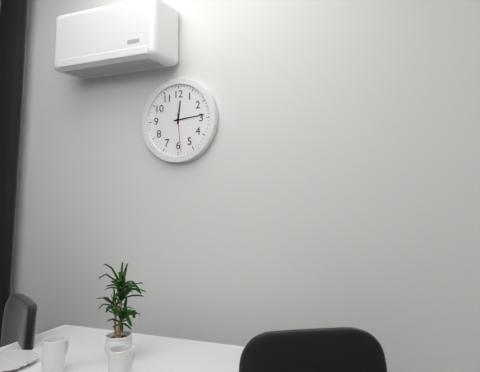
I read 12.14
